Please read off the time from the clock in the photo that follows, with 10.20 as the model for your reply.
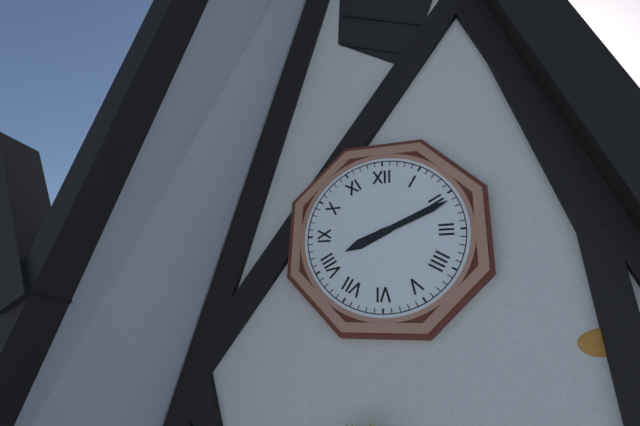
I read 8.11
